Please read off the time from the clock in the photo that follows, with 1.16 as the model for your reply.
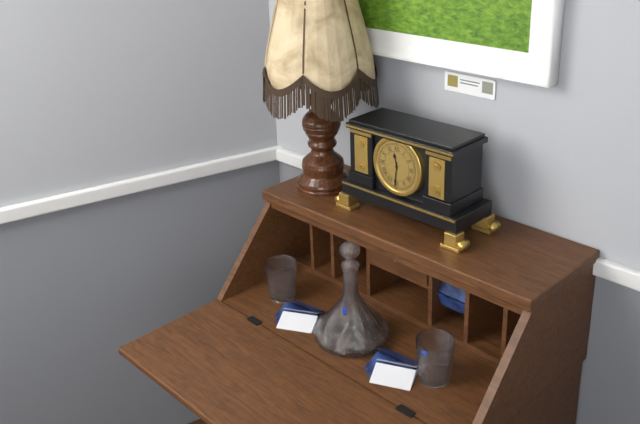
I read 11.31
